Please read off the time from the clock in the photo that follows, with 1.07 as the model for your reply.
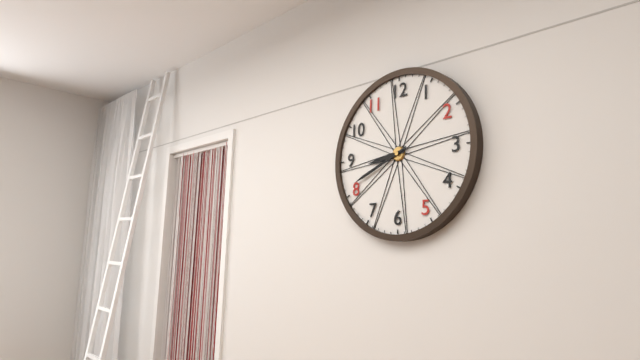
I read 8.41
